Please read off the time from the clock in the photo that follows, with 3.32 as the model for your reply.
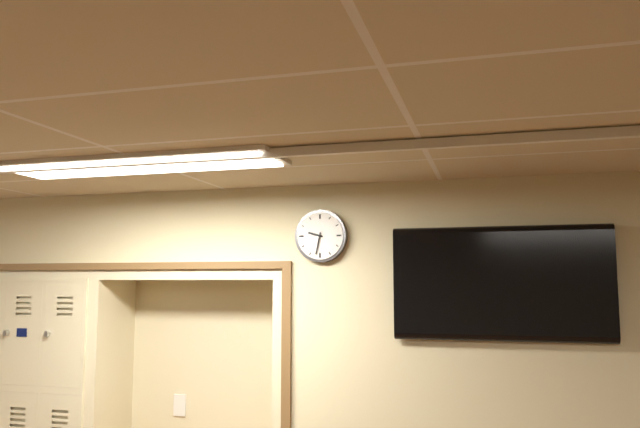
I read 9.32
